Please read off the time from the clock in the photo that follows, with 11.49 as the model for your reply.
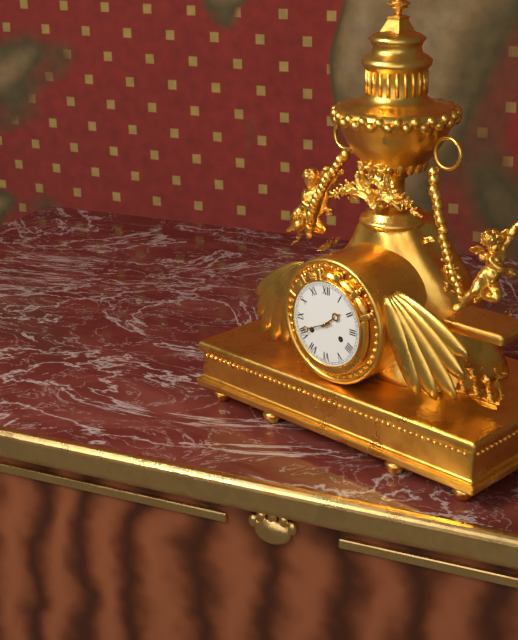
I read 1.41
